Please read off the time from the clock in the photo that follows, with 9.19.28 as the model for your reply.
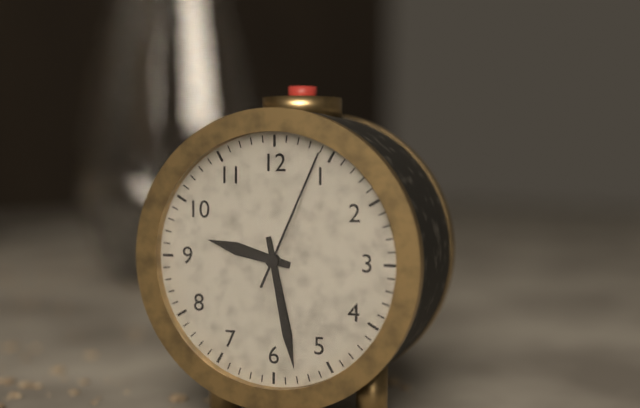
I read 9.28.04
